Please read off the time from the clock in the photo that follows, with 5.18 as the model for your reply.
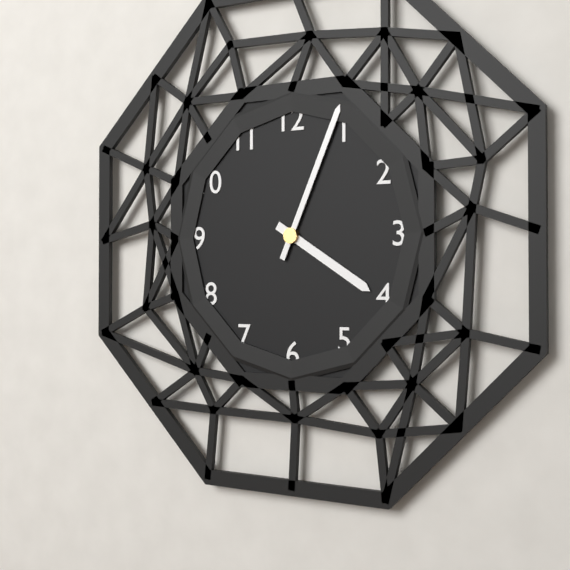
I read 4.04
